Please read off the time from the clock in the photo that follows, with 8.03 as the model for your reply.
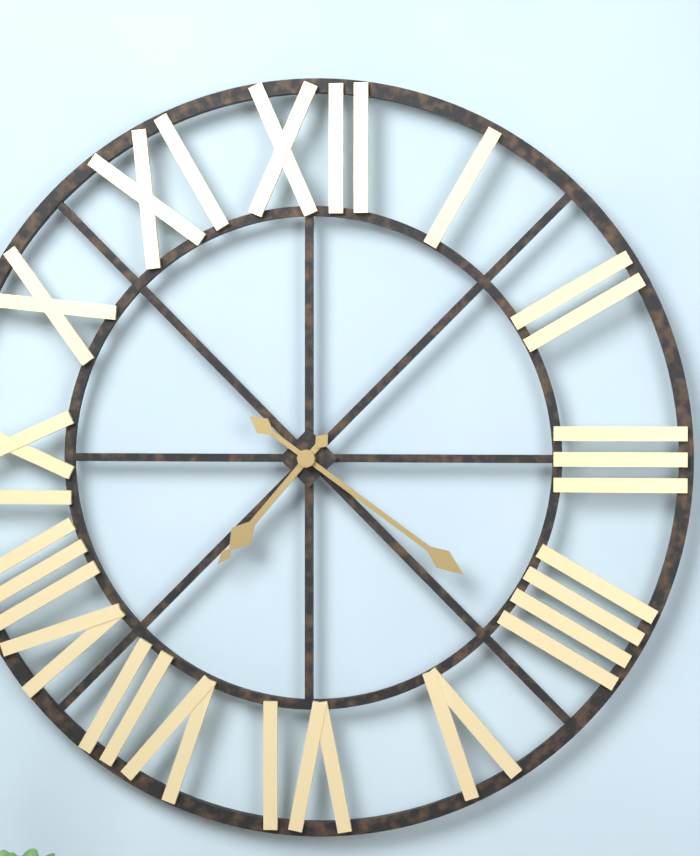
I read 7.21
